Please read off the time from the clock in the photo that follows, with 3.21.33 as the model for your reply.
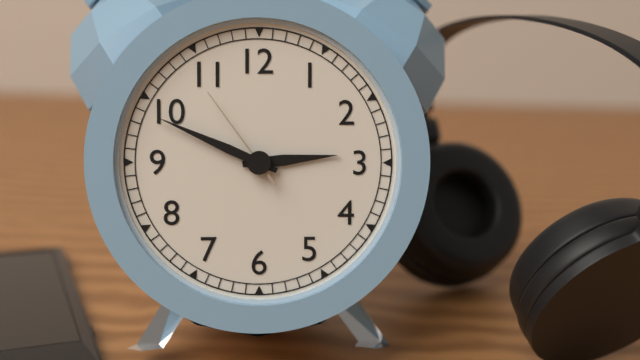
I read 2.49.54
